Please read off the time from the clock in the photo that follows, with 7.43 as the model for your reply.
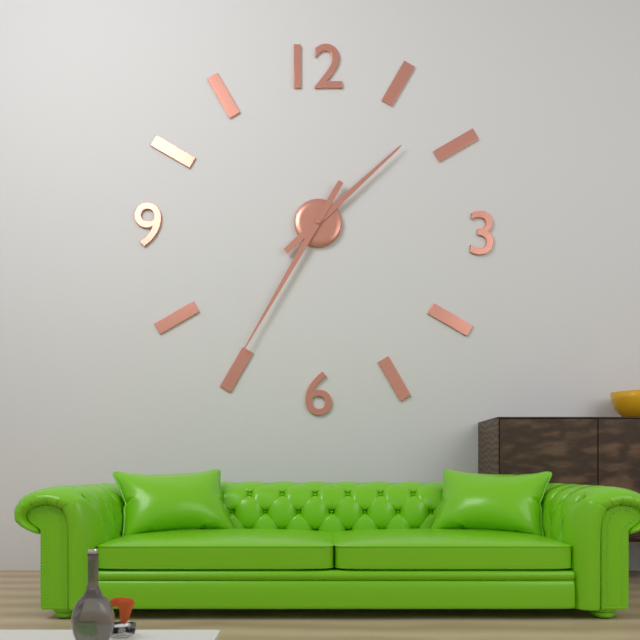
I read 1.35
